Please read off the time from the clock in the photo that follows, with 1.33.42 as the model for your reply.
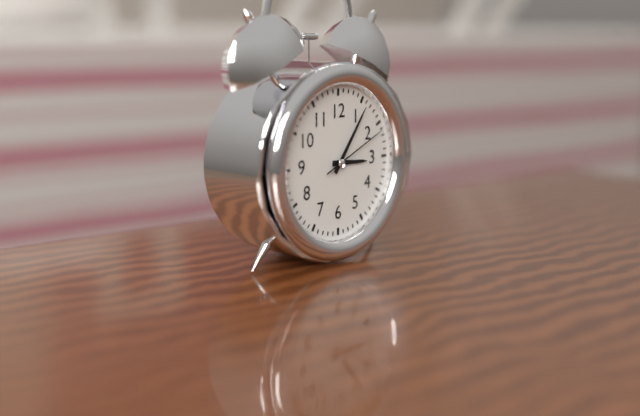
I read 3.06.11
